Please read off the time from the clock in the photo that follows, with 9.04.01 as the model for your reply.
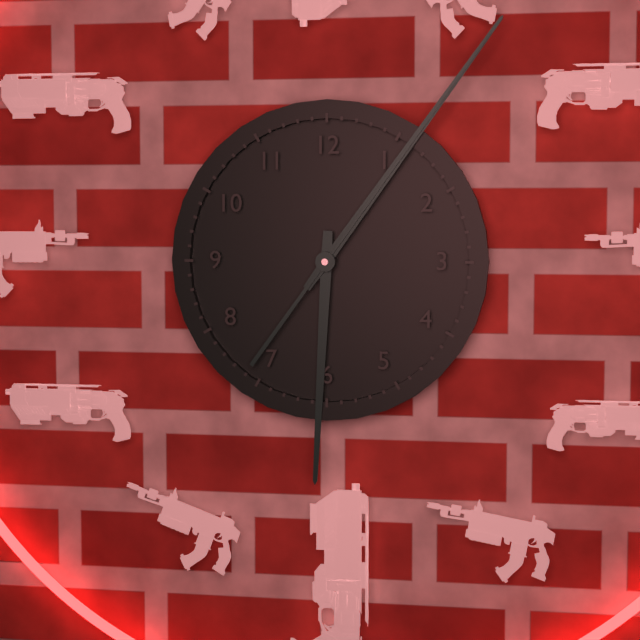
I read 6.06.06
